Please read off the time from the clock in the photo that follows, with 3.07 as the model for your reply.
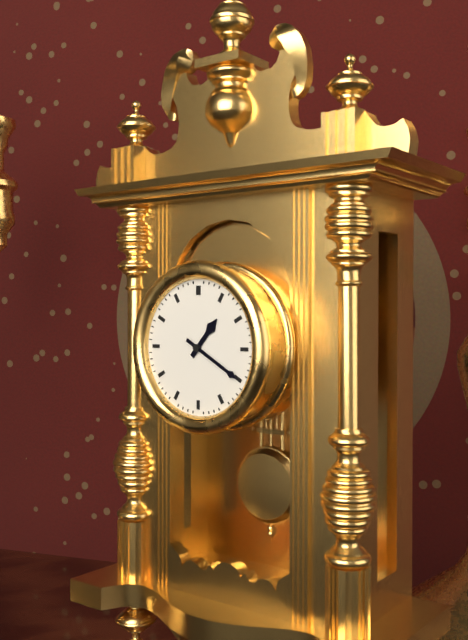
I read 1.20
